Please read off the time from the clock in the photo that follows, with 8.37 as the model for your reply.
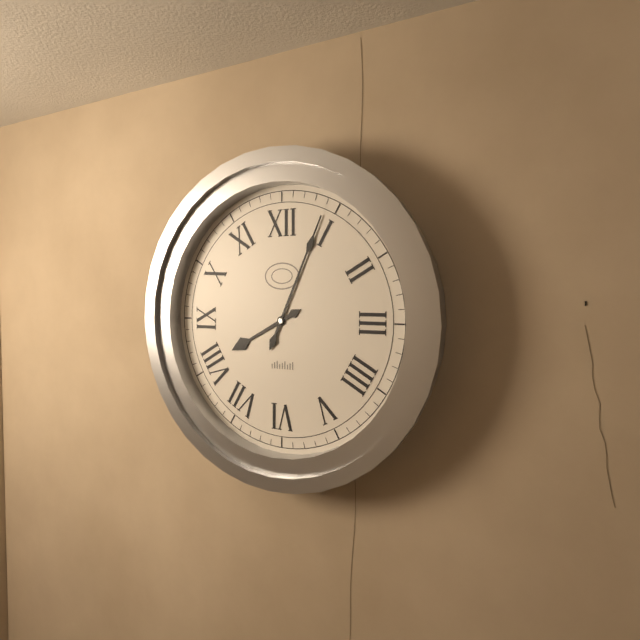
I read 8.04
